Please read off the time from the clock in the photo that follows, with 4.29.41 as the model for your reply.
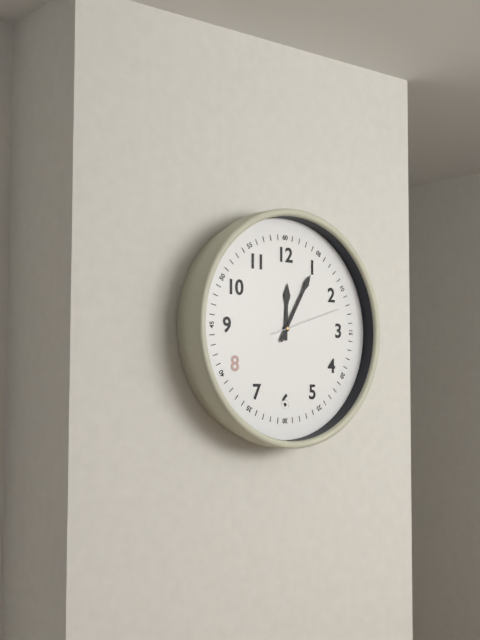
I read 12.05.12
